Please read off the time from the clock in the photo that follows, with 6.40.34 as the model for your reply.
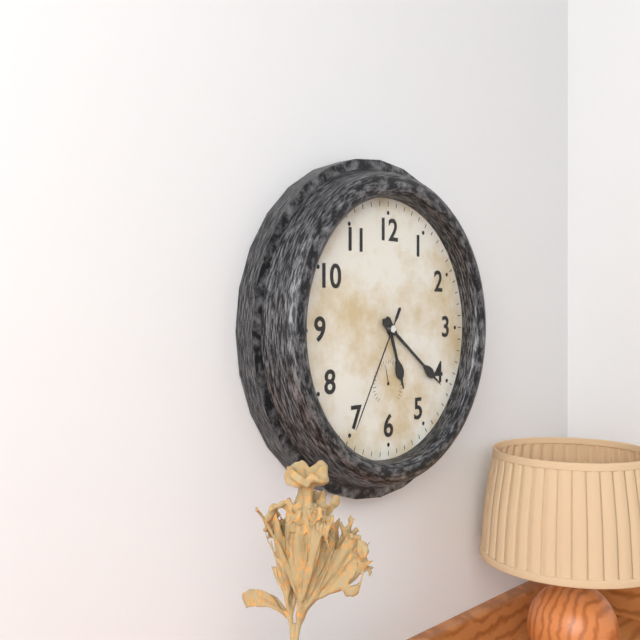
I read 5.21.35
